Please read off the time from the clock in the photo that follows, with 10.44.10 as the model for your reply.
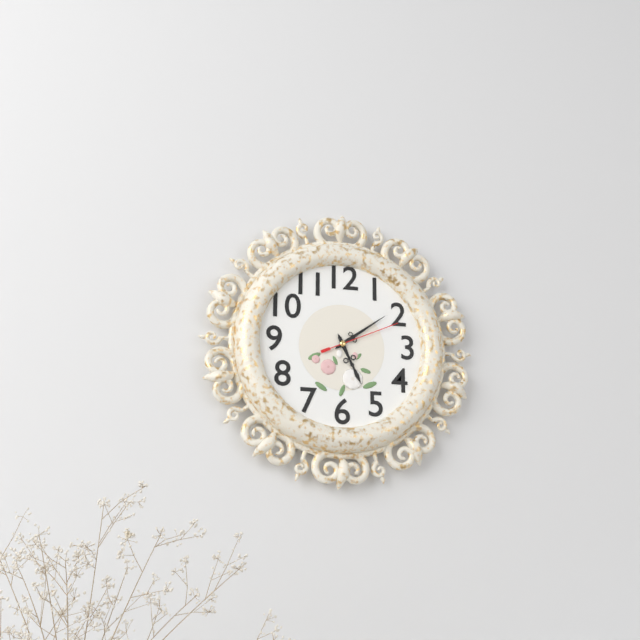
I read 5.09.11
